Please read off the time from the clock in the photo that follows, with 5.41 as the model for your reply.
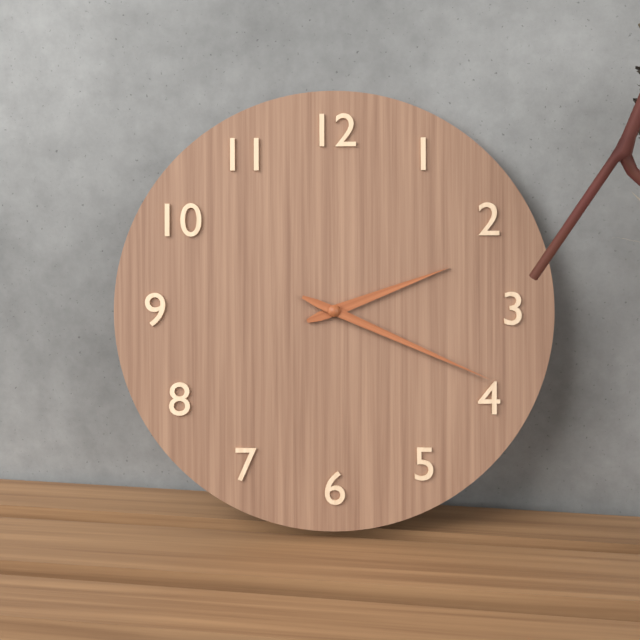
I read 2.19
